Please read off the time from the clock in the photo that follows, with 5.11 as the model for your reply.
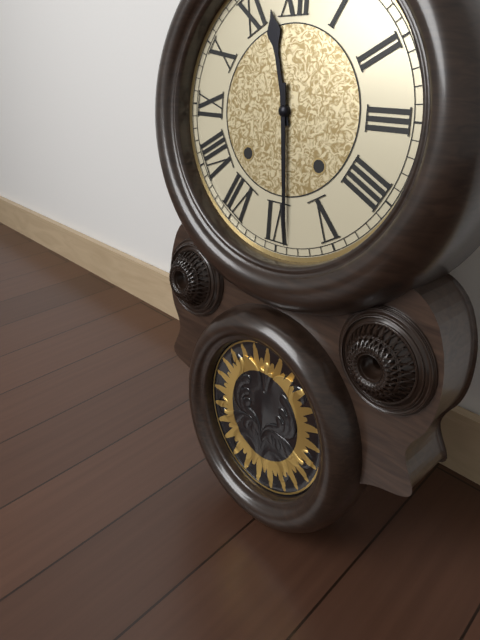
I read 11.29
